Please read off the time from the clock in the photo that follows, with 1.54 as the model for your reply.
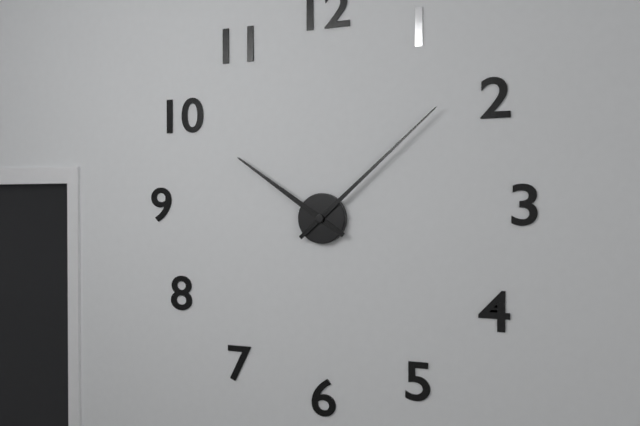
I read 10.08
